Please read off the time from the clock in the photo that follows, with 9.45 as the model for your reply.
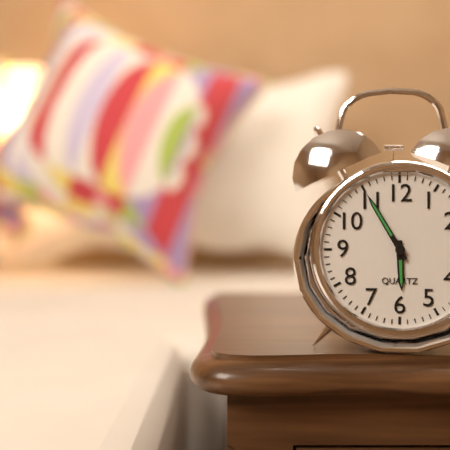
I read 5.55
